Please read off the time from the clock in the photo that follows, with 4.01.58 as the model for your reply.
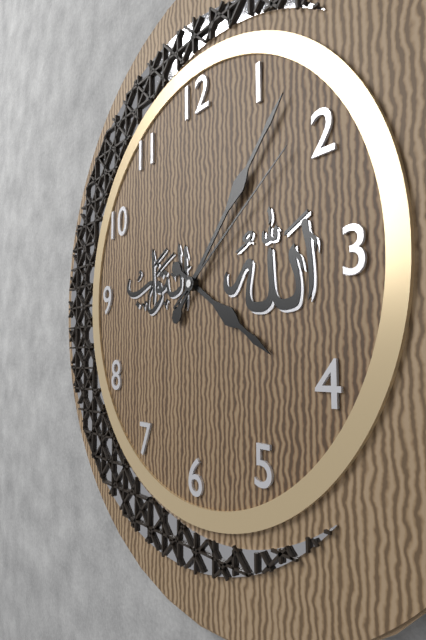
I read 4.07.09
